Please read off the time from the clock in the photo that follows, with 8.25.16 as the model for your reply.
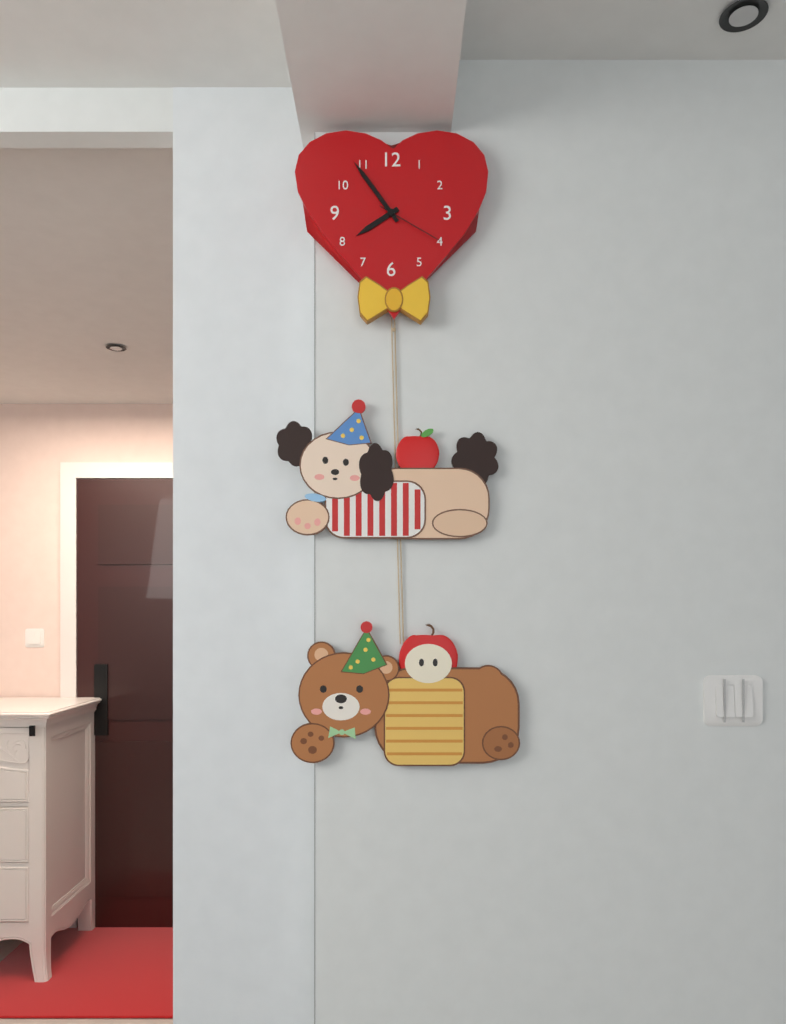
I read 7.54.20
